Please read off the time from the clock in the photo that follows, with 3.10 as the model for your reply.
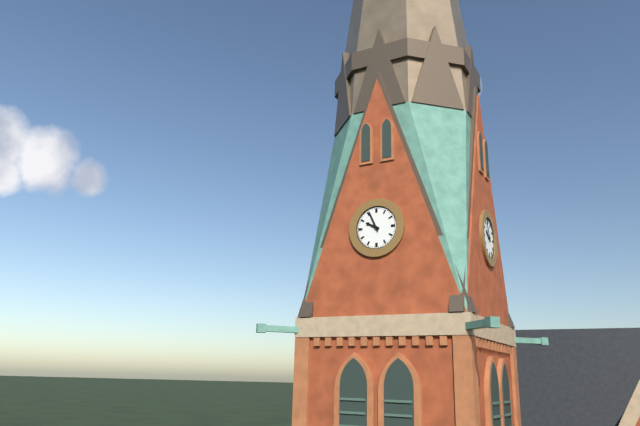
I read 9.56
